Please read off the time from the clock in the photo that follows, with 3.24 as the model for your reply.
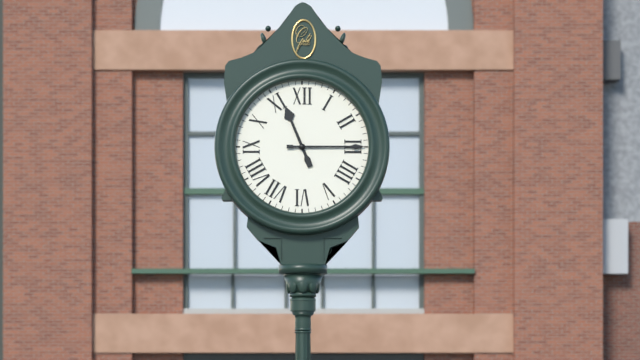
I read 11.15
